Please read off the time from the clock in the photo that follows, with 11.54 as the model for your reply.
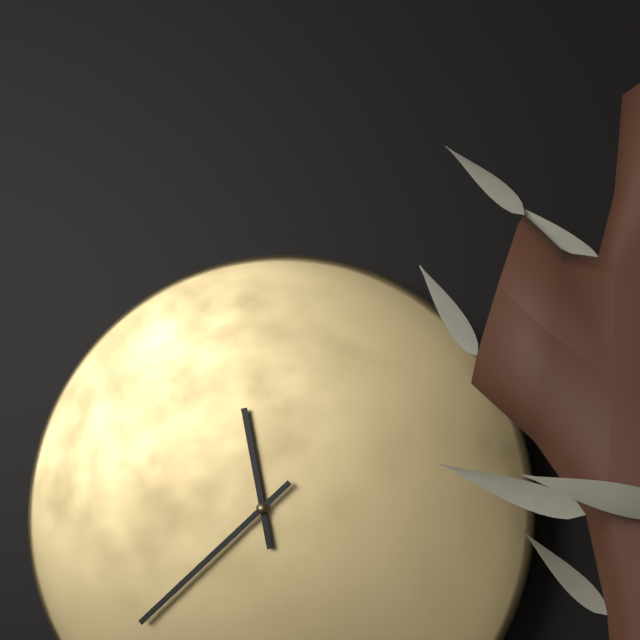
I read 11.38
